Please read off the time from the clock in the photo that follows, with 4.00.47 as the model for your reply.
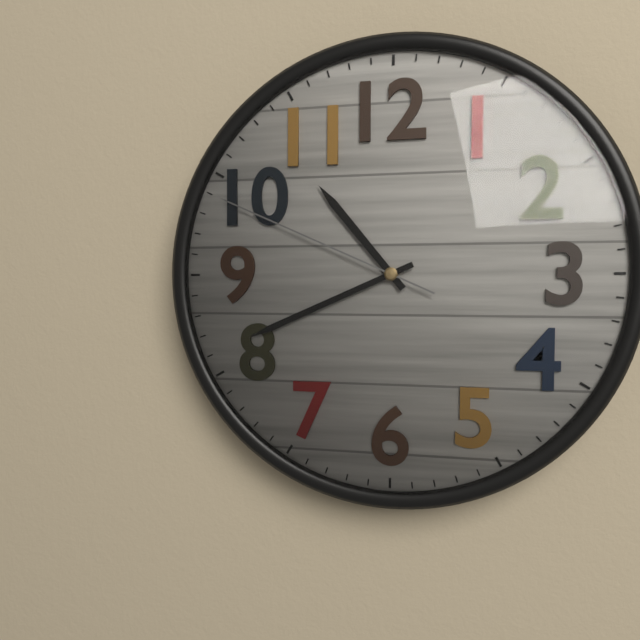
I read 10.41.49
